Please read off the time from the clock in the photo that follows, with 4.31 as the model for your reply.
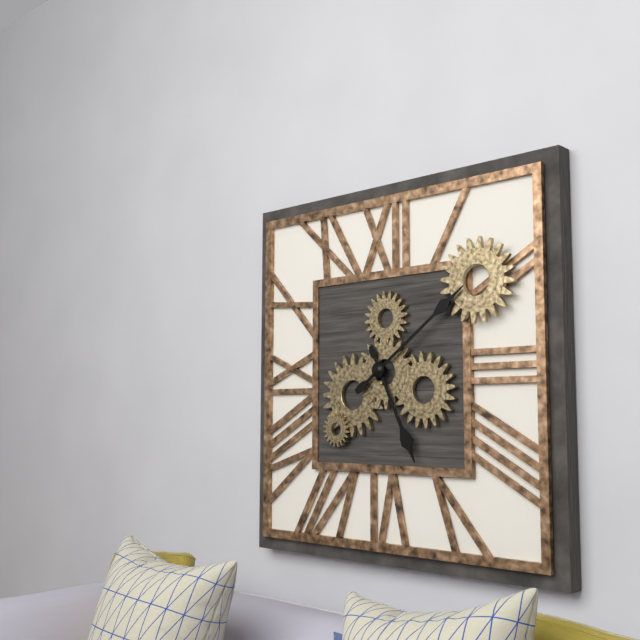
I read 5.09
